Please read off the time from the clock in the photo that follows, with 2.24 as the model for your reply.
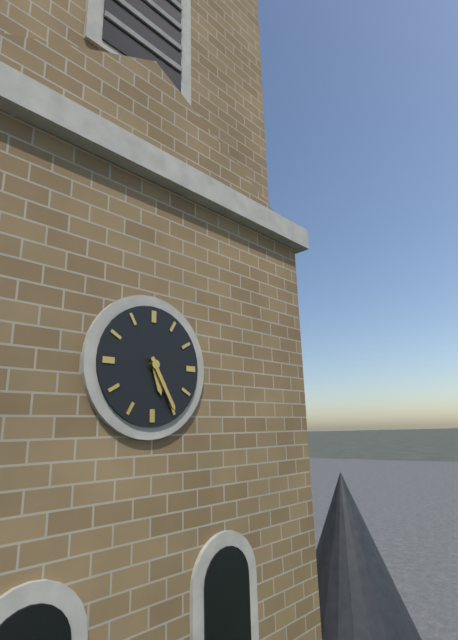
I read 5.25
